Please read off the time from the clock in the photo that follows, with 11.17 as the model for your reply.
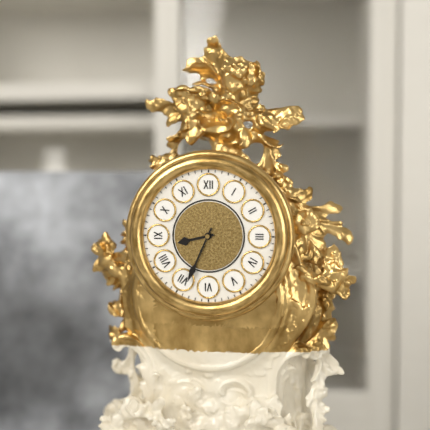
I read 8.34
